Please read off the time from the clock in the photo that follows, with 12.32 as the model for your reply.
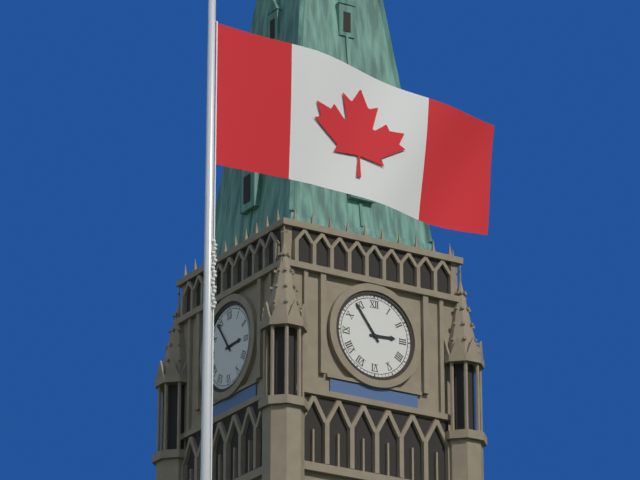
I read 2.54
